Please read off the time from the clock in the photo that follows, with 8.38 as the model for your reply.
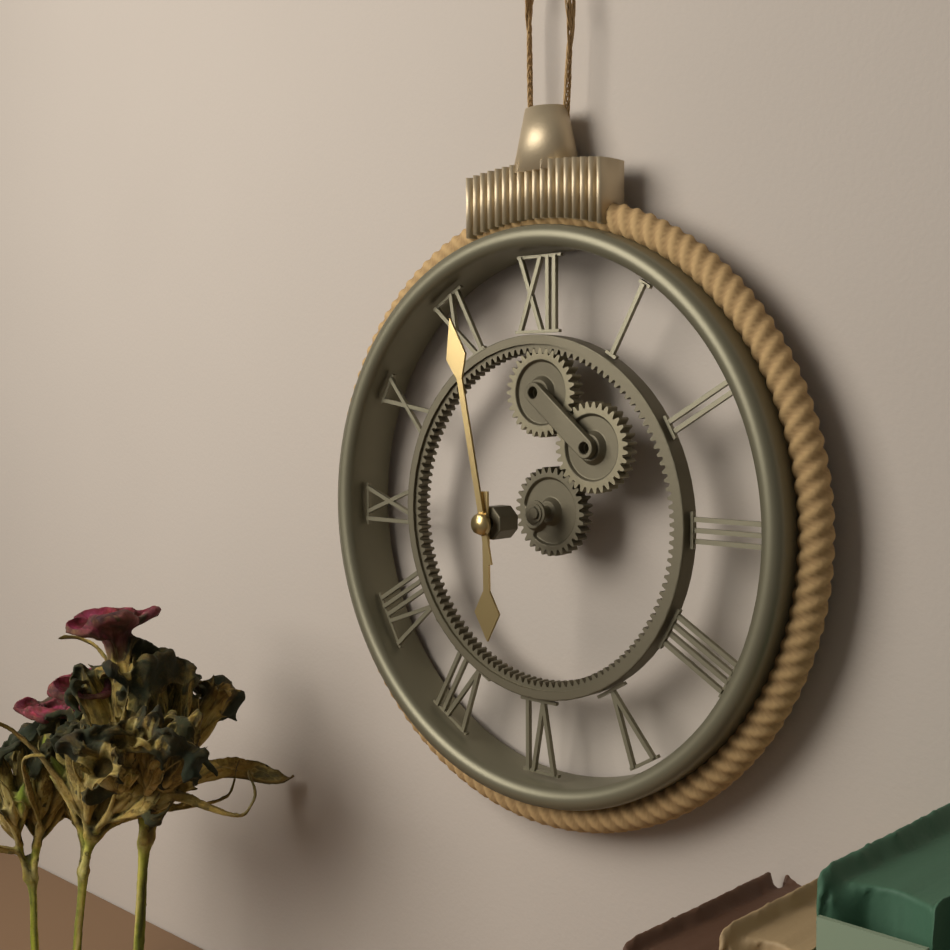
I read 5.58
